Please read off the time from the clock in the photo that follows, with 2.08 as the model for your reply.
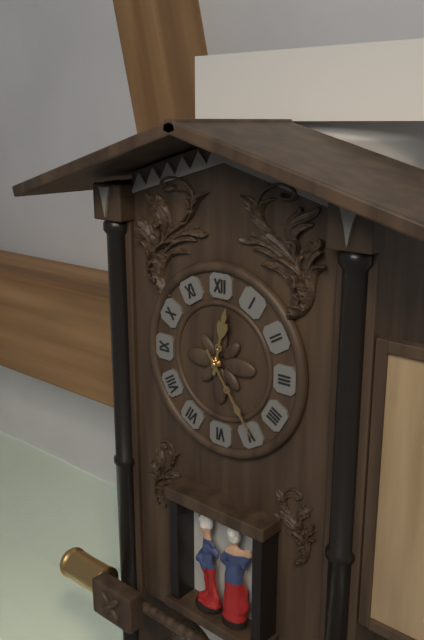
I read 12.24
